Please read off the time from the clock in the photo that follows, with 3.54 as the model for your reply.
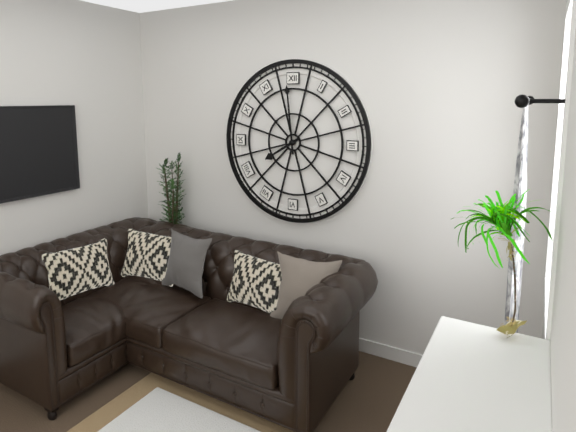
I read 7.59
